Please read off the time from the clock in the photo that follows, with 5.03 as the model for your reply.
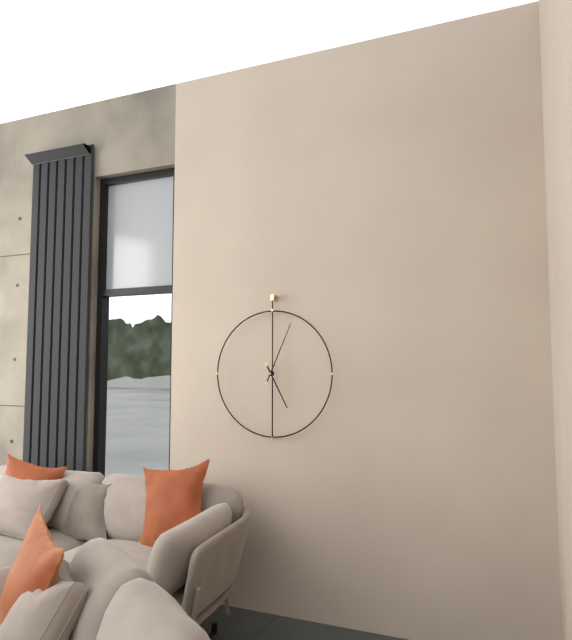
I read 5.04
